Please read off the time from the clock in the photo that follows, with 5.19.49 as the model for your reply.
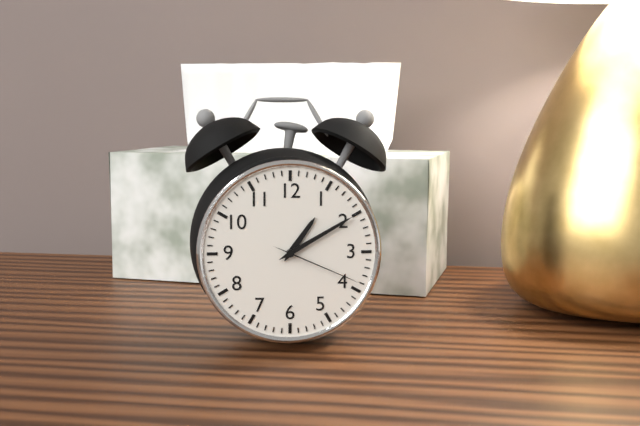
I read 1.10.19
